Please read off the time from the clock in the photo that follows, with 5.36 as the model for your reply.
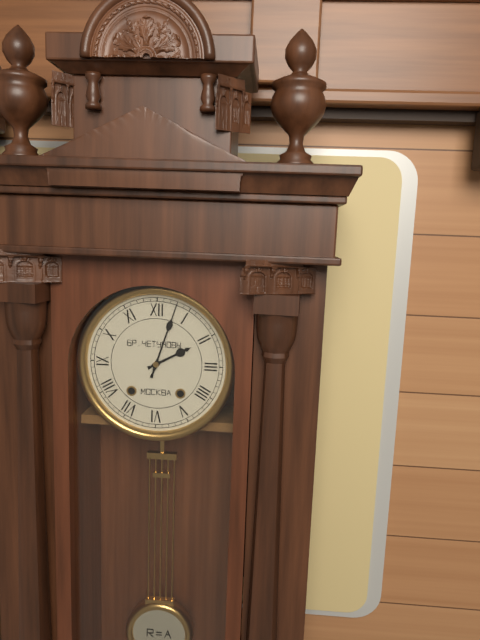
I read 2.03
